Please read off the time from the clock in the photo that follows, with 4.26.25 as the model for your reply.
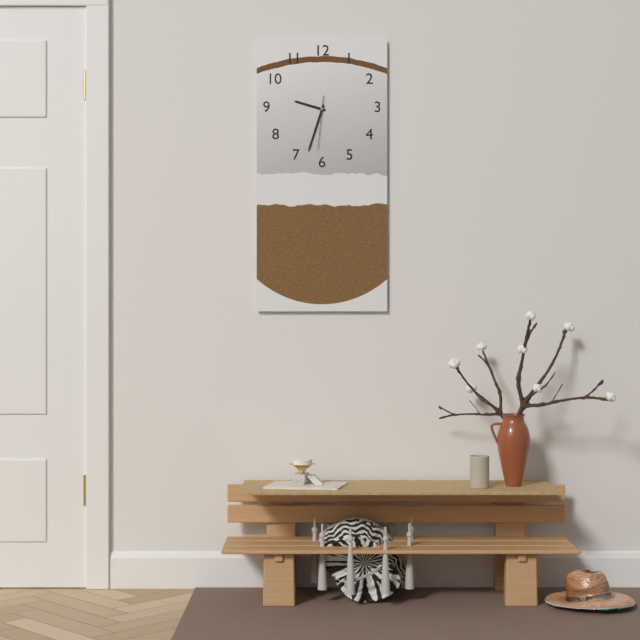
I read 9.33.31
